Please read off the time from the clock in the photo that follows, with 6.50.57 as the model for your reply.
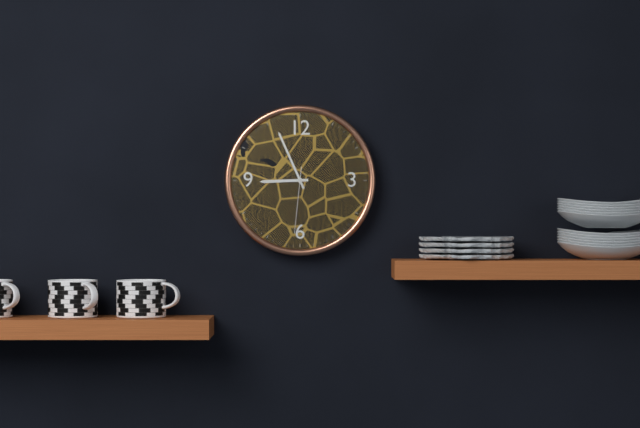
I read 8.56.31
